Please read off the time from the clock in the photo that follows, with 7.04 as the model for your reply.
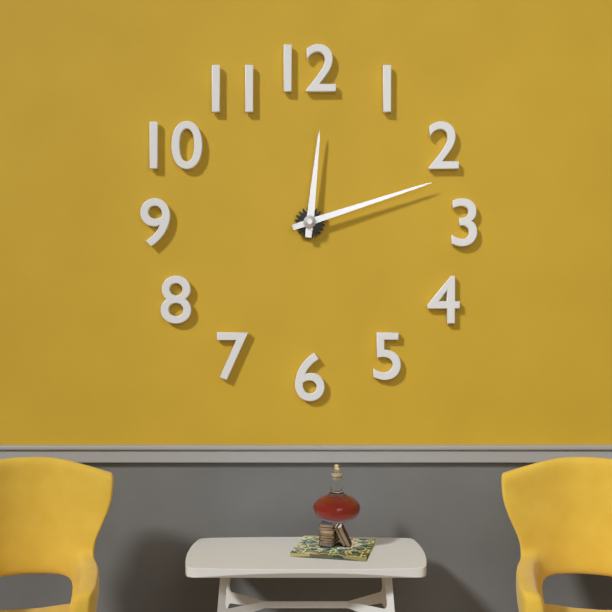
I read 12.12
